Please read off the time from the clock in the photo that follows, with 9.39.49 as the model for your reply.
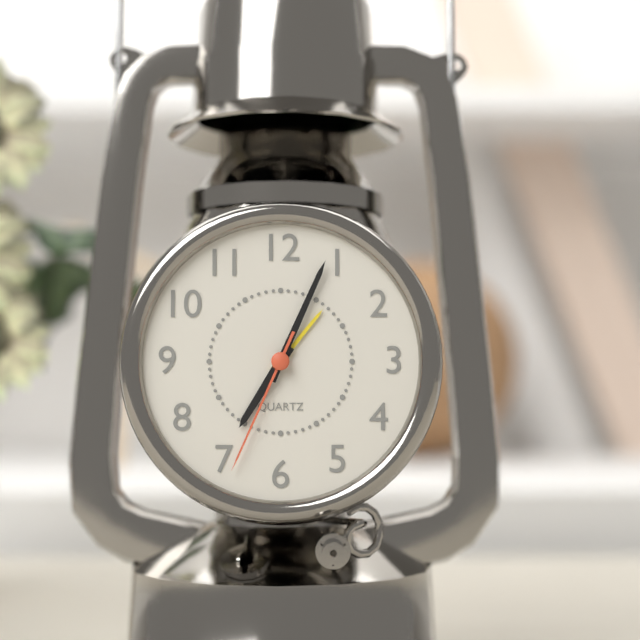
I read 7.04.34
